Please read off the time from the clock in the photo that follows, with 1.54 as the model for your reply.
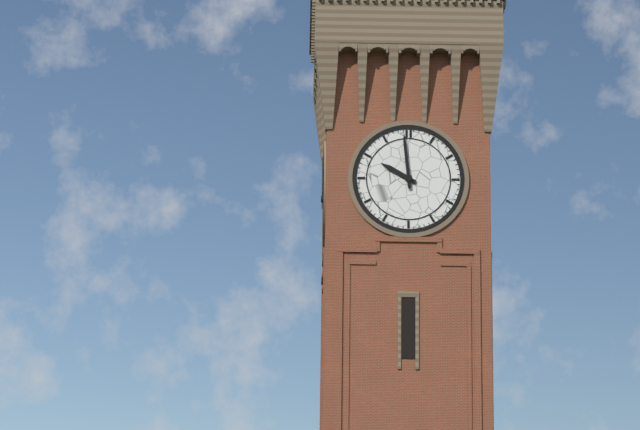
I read 9.59
